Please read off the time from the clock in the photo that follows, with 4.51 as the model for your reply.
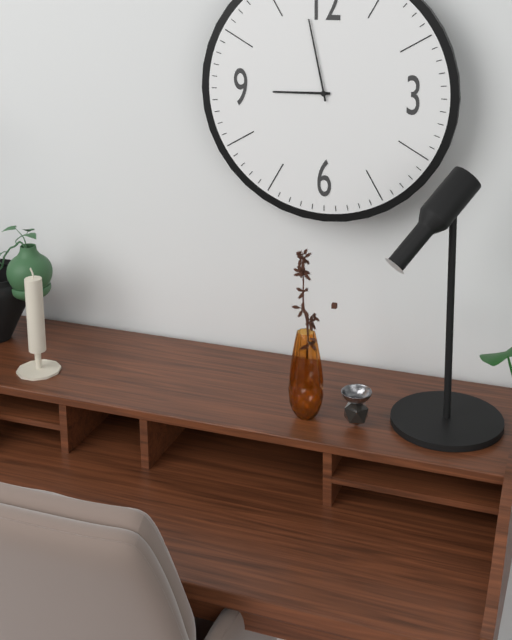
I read 8.58
